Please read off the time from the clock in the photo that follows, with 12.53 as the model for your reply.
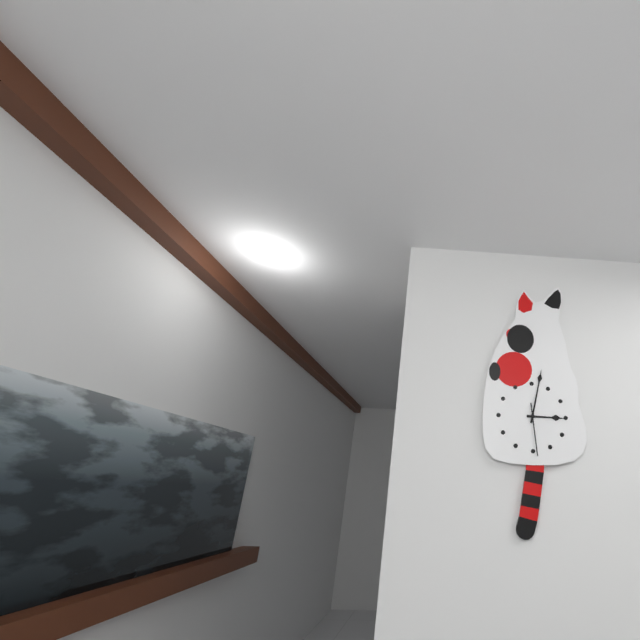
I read 3.02
